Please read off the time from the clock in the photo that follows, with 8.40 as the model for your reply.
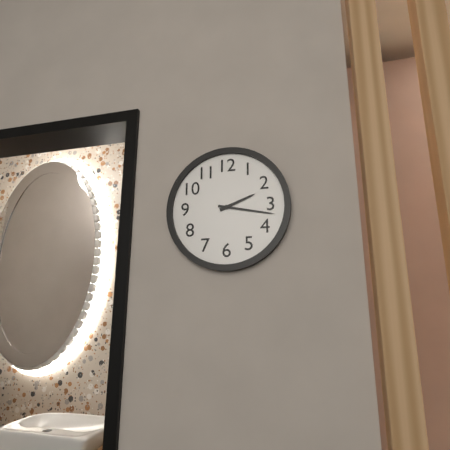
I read 2.17
